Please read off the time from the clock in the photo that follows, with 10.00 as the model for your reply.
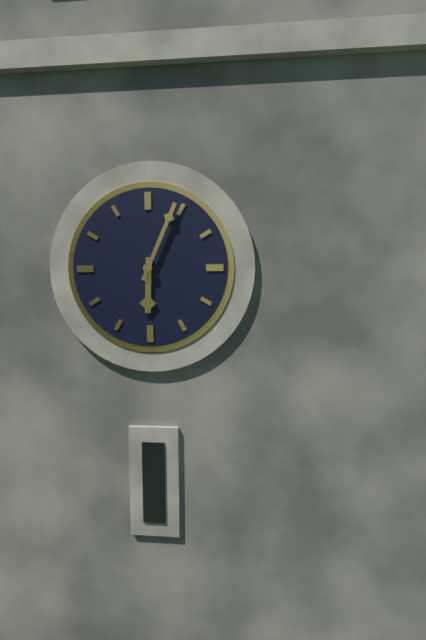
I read 6.04
